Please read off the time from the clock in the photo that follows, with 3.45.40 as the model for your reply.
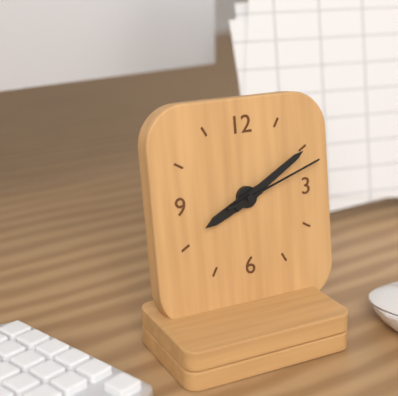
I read 8.10.12
